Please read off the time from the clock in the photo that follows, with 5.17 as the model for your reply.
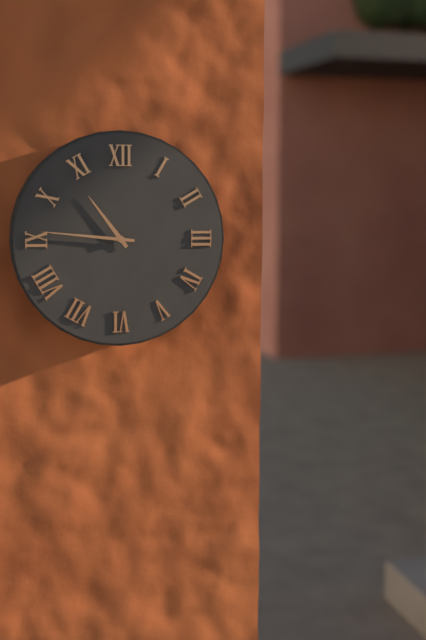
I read 10.46
